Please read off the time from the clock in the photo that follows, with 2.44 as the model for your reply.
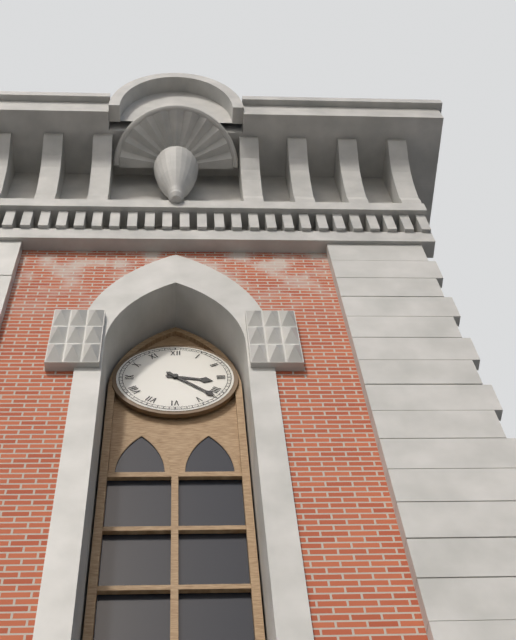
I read 3.22
